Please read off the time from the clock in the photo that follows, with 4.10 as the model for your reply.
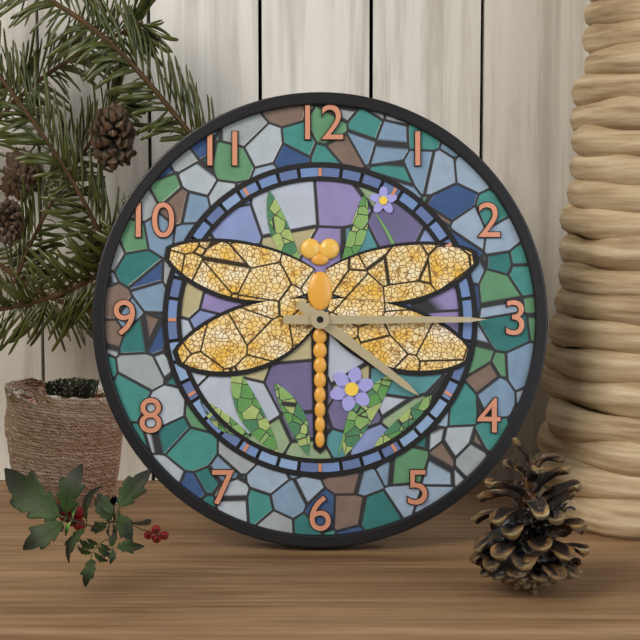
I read 4.15
